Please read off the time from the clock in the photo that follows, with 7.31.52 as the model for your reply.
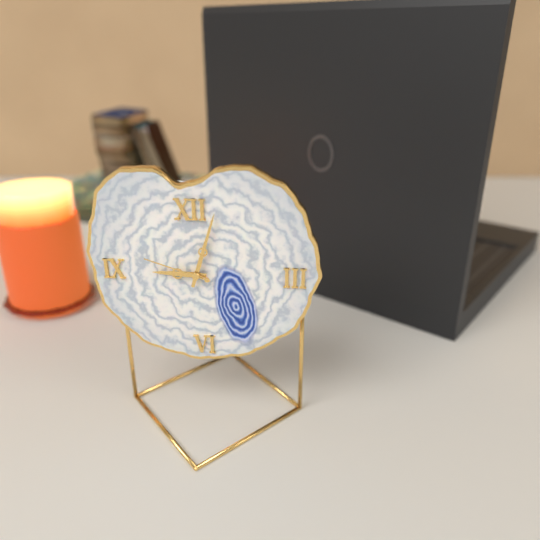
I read 9.03.48
